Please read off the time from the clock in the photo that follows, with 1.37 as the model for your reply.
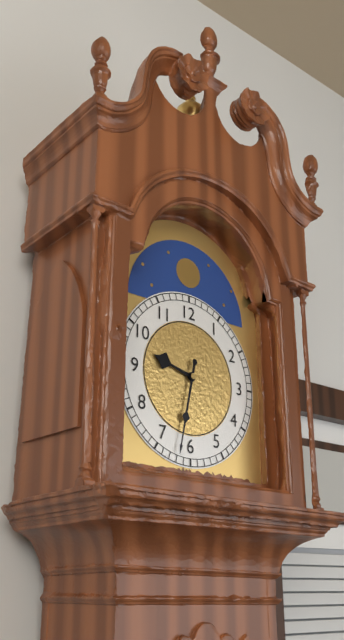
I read 9.32
